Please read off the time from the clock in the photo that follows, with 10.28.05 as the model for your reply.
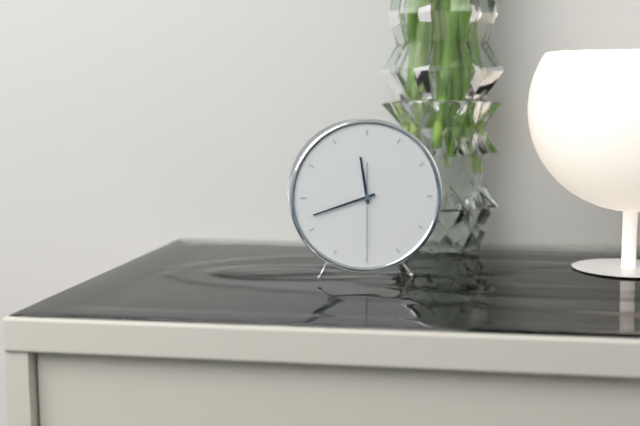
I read 11.42.30
